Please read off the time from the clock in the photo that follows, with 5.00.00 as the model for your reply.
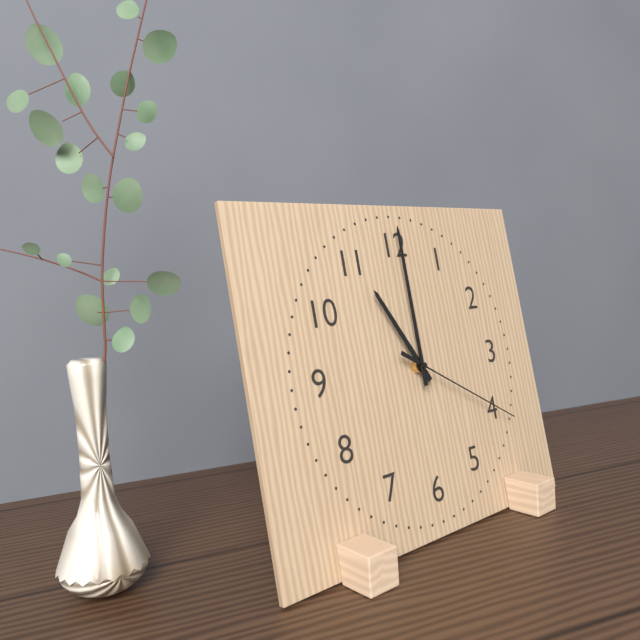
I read 11.00.20
